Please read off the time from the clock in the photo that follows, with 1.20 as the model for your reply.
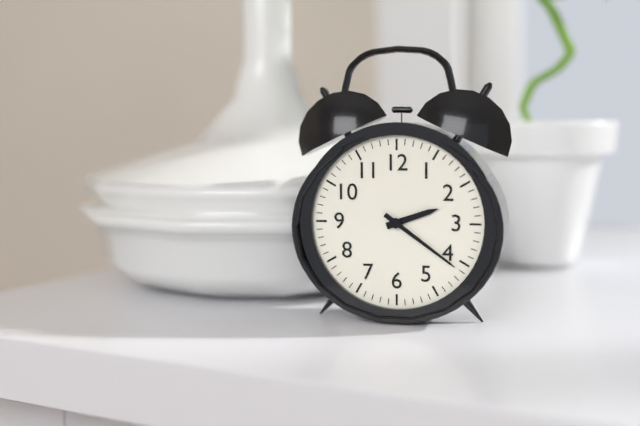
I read 2.21
